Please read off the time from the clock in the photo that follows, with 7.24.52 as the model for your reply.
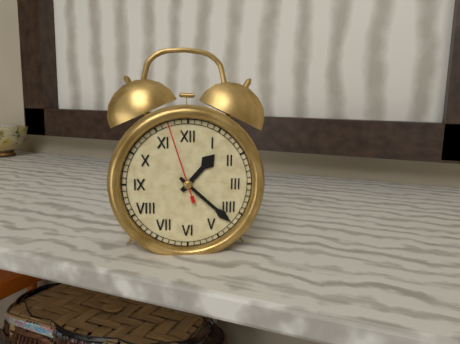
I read 1.22.57
